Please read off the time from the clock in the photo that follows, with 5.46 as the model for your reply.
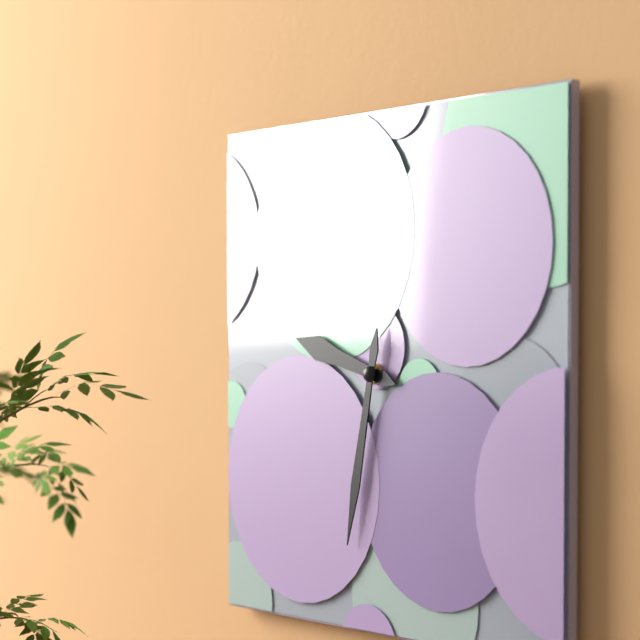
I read 9.32
